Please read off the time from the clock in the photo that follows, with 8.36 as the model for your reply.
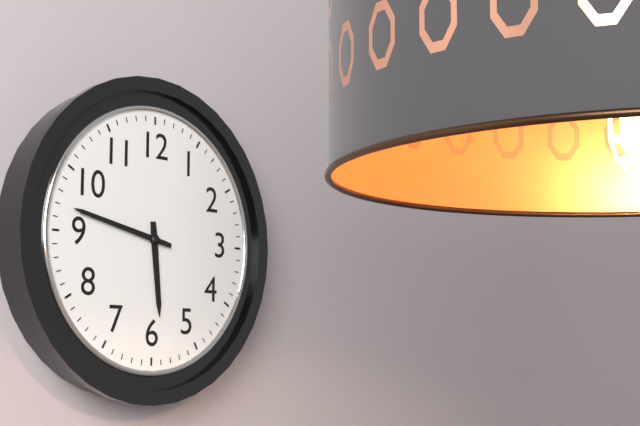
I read 5.47
